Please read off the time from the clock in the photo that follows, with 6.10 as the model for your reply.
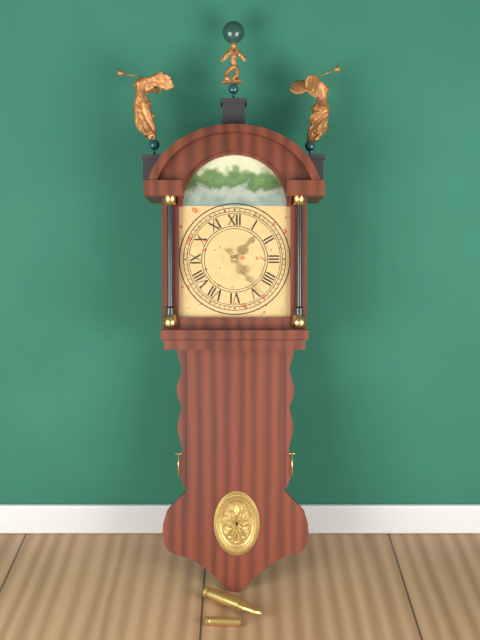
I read 1.24
